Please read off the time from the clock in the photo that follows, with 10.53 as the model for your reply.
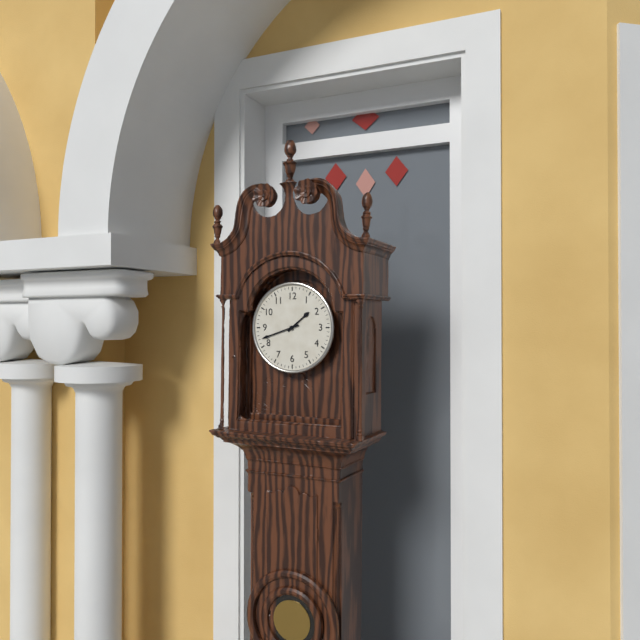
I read 1.42
